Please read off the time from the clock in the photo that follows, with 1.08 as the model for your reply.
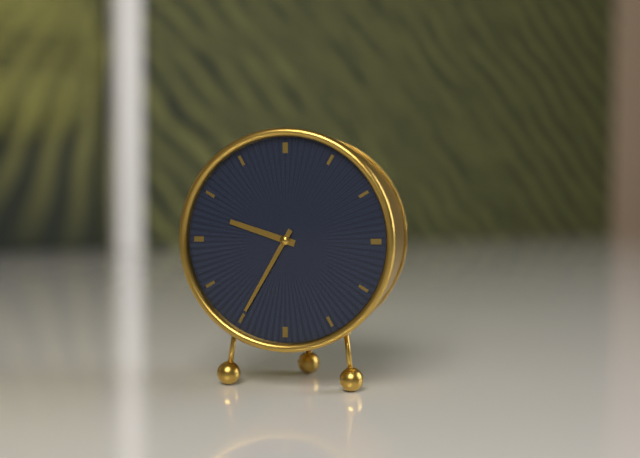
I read 9.35
